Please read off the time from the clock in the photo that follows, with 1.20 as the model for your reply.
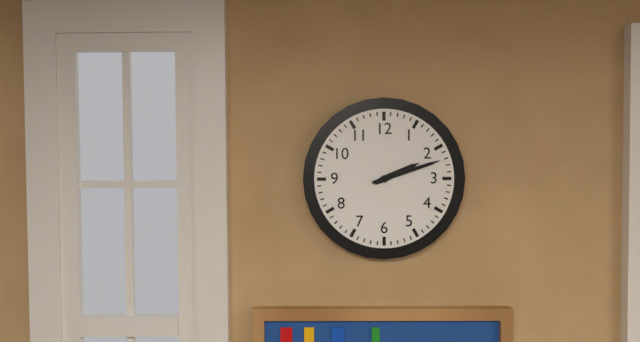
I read 2.12
